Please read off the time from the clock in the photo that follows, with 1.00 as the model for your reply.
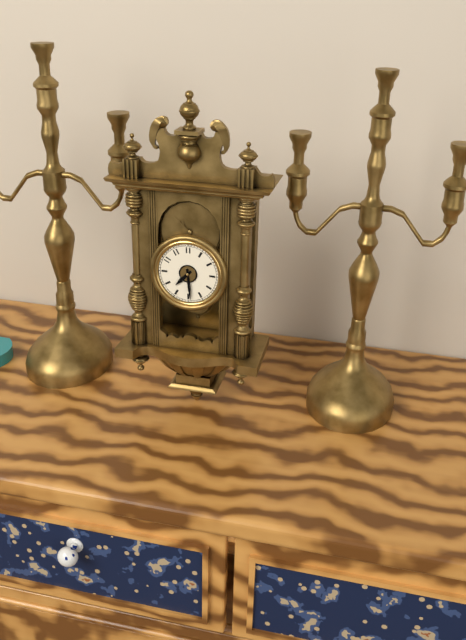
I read 7.29
